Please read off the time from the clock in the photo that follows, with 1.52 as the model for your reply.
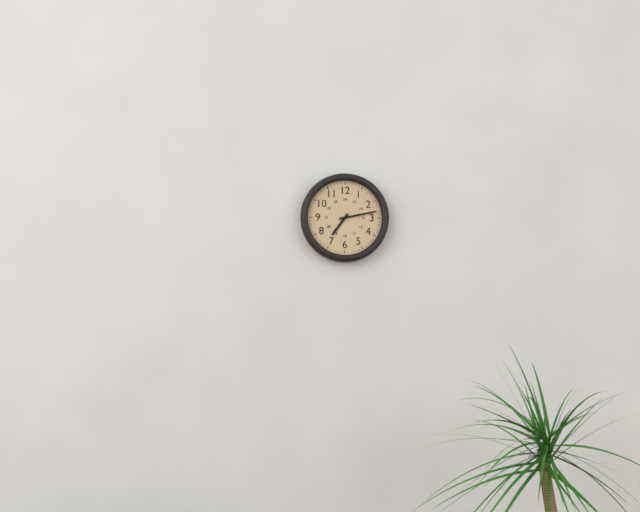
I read 7.13
